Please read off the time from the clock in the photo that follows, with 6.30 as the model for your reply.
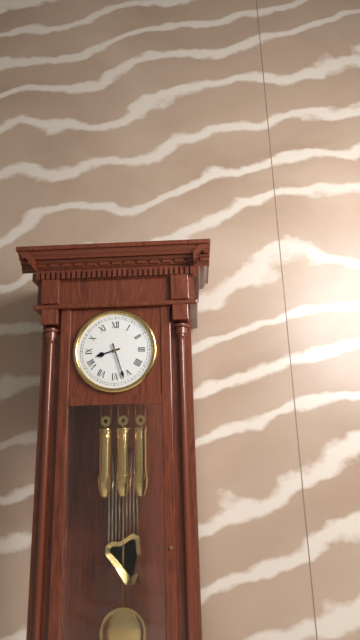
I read 8.27
